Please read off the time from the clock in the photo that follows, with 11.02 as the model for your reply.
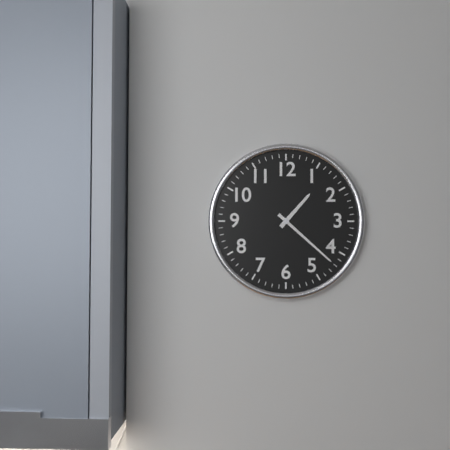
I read 1.22
